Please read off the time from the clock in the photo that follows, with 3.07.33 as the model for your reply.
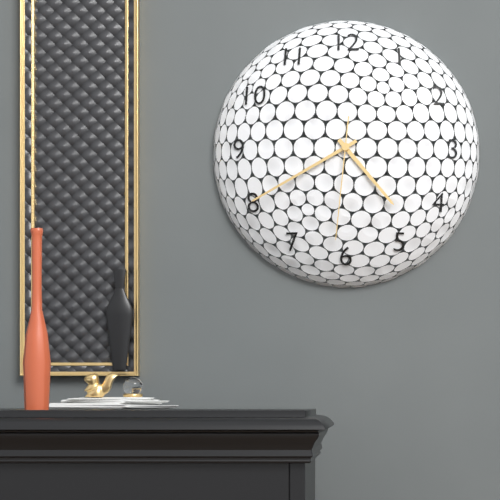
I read 4.40.31
